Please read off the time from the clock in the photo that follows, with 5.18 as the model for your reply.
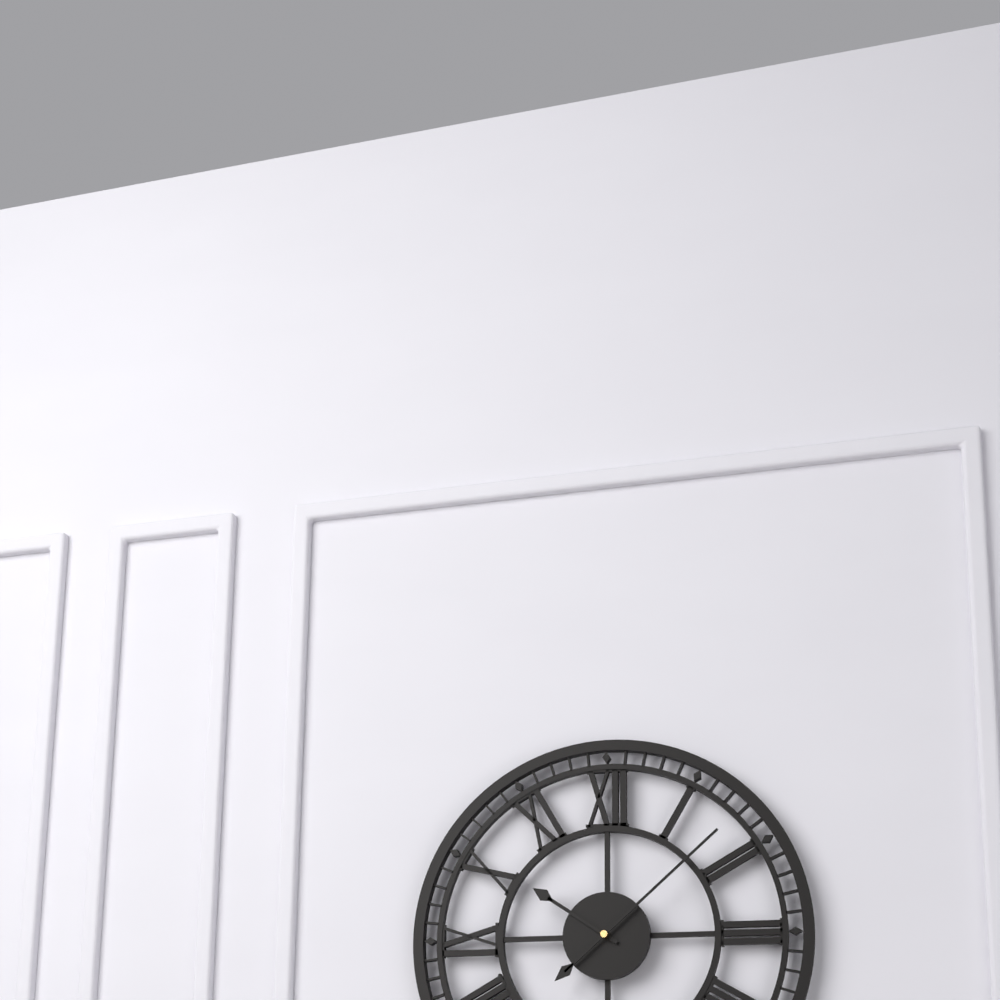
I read 10.08
